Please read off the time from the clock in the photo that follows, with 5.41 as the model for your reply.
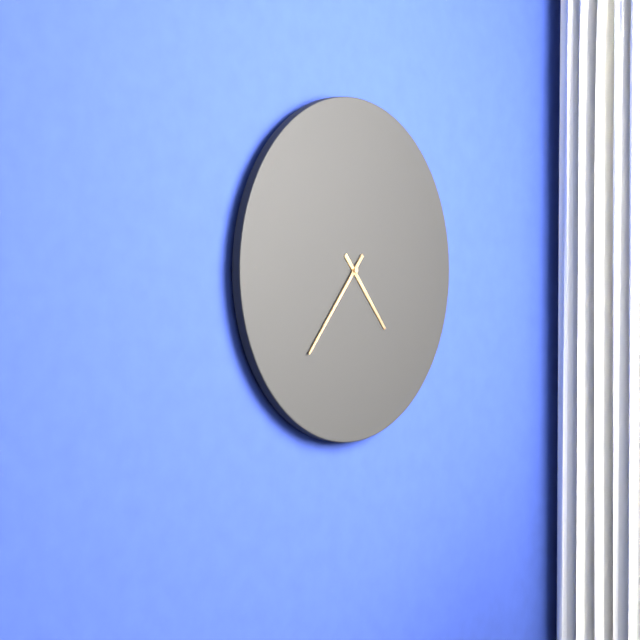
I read 4.37
